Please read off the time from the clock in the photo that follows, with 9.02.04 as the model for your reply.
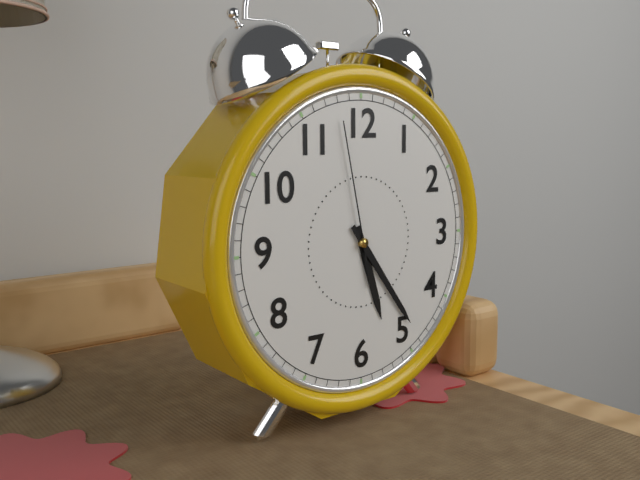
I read 5.24.58
